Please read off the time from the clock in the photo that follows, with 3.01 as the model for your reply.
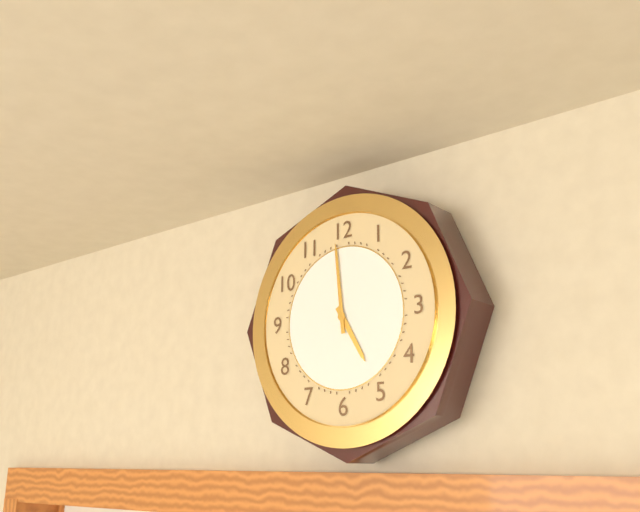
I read 4.59
